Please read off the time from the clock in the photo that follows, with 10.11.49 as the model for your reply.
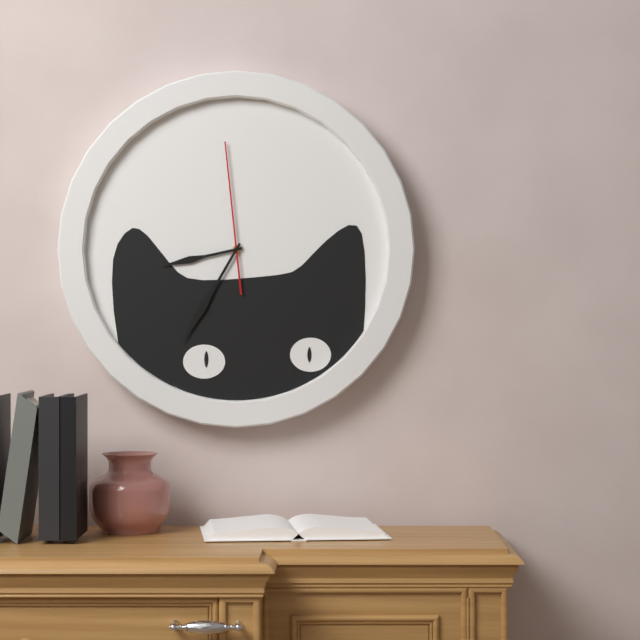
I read 8.35.59
